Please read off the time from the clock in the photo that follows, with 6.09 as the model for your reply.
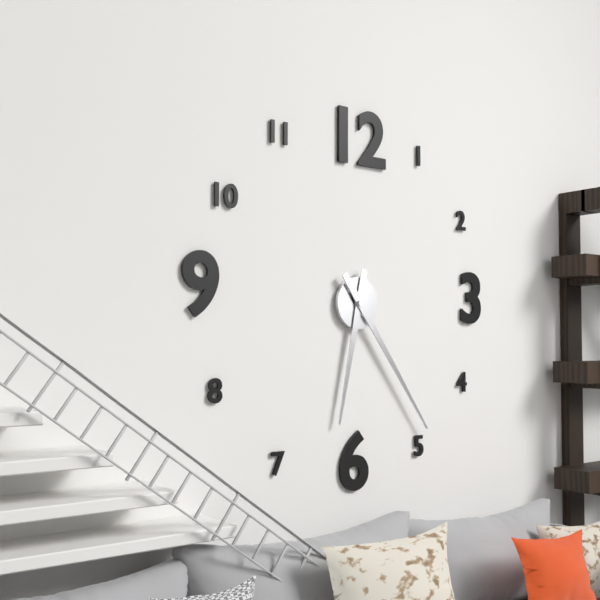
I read 6.24
